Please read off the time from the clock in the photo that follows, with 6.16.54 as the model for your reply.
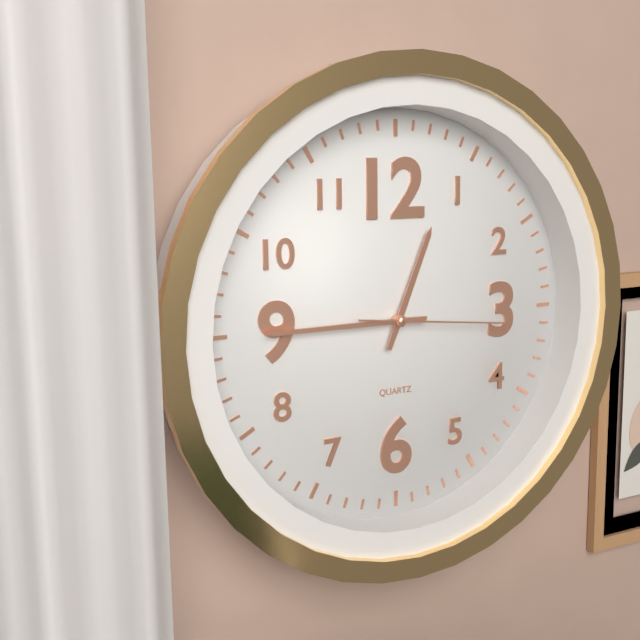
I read 12.45.16
